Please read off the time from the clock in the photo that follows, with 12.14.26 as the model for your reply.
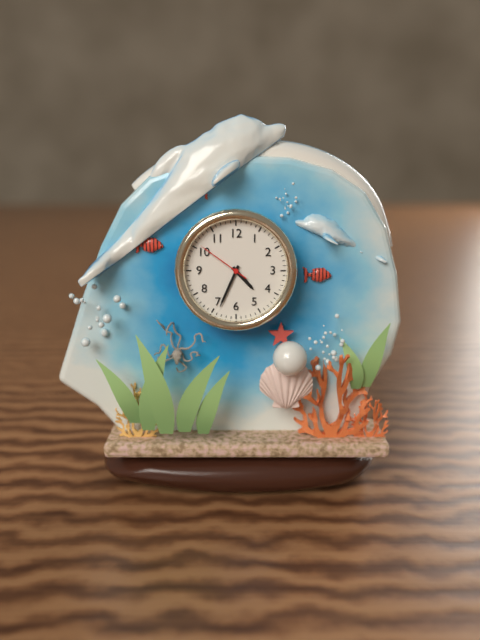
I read 4.34.51
